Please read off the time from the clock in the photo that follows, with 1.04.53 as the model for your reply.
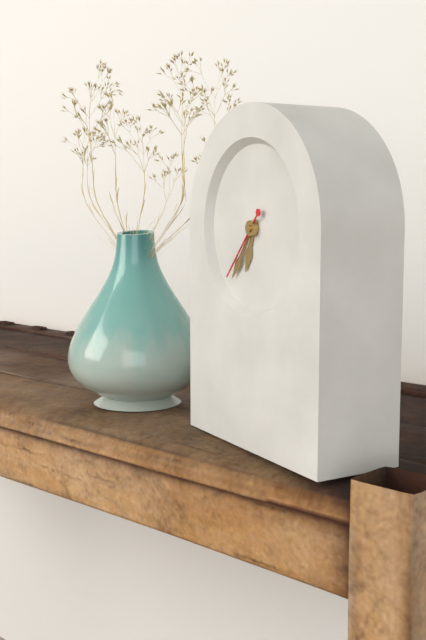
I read 6.36.37
